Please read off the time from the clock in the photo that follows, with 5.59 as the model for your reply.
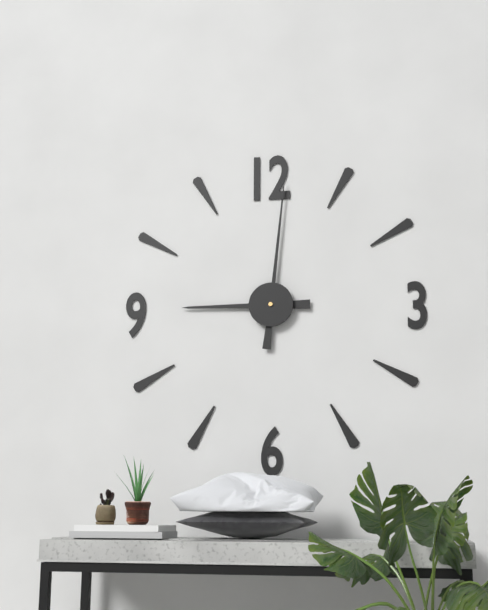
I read 9.01
